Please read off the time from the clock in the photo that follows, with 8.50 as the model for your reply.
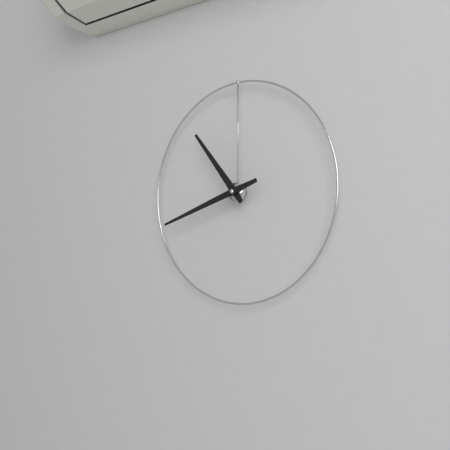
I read 10.42
